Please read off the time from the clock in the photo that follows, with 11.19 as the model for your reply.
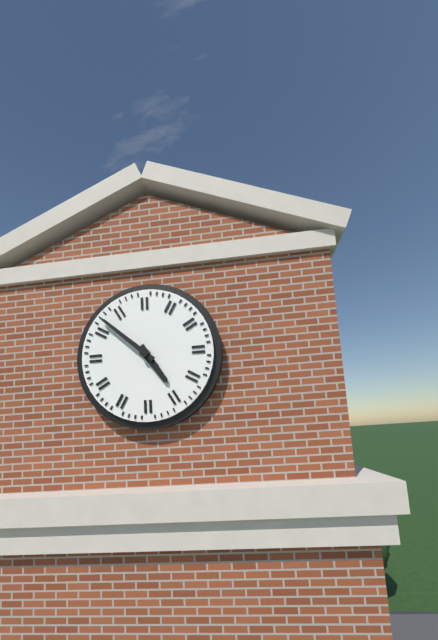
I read 4.52
